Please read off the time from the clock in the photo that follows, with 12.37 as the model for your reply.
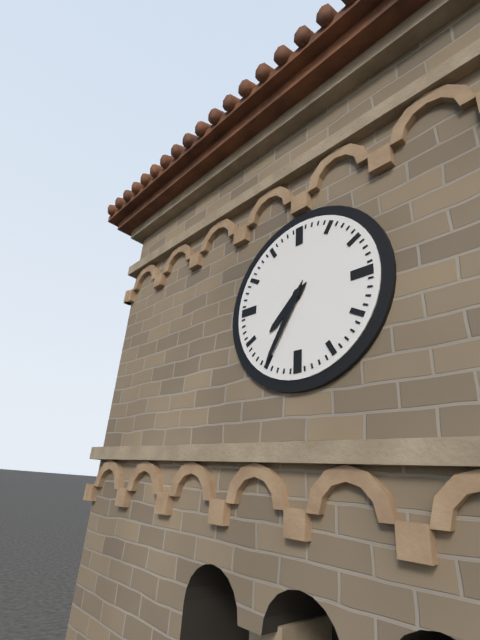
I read 7.35
